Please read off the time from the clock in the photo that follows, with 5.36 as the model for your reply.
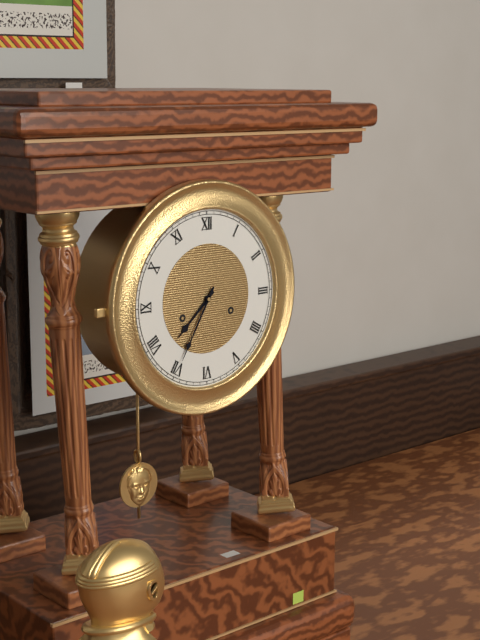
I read 7.35
